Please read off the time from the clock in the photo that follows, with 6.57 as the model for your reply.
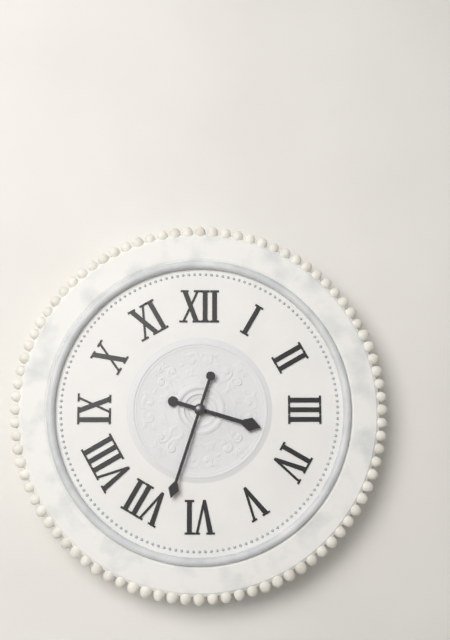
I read 3.33
